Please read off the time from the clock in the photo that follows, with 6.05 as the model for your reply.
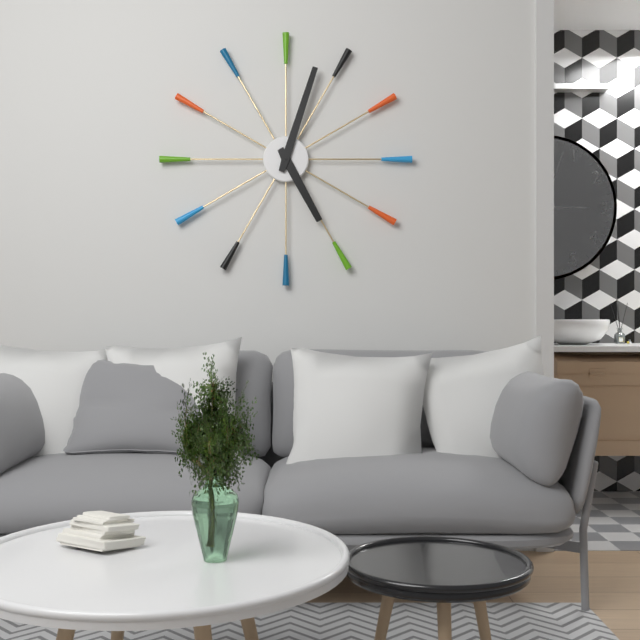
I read 5.03
